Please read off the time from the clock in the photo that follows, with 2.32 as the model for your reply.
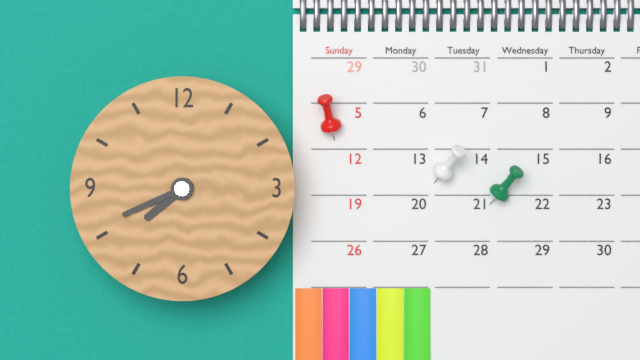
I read 7.41
